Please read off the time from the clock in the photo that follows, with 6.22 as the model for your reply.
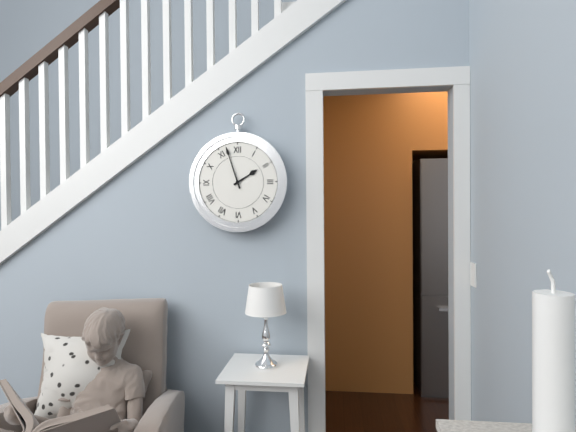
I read 1.57
